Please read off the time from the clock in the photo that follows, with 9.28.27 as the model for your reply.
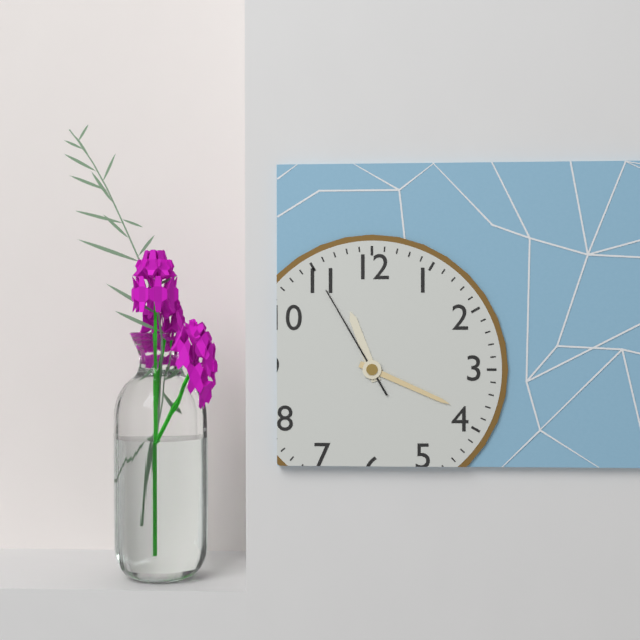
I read 11.19.55
